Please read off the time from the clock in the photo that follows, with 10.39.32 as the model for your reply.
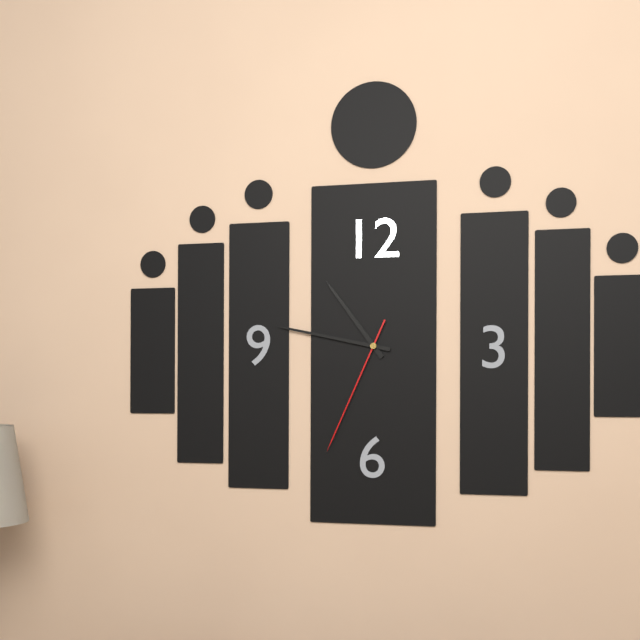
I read 10.47.34
